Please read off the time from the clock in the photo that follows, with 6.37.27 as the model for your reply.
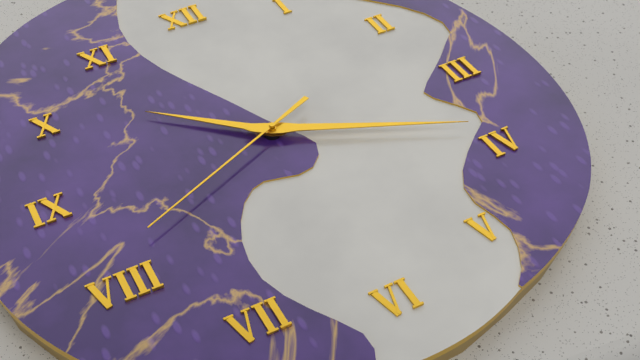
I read 10.19.41
